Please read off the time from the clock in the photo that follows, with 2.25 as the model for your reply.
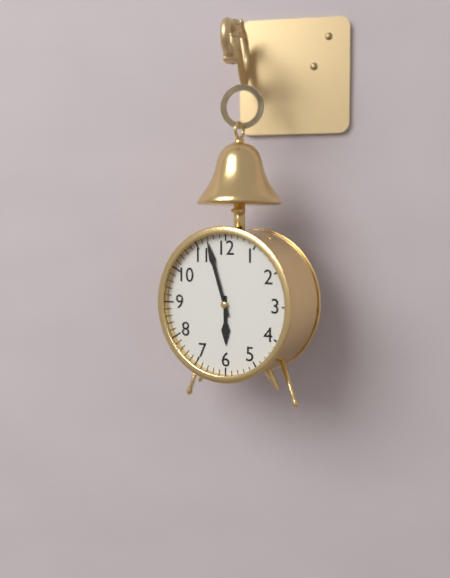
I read 5.57
